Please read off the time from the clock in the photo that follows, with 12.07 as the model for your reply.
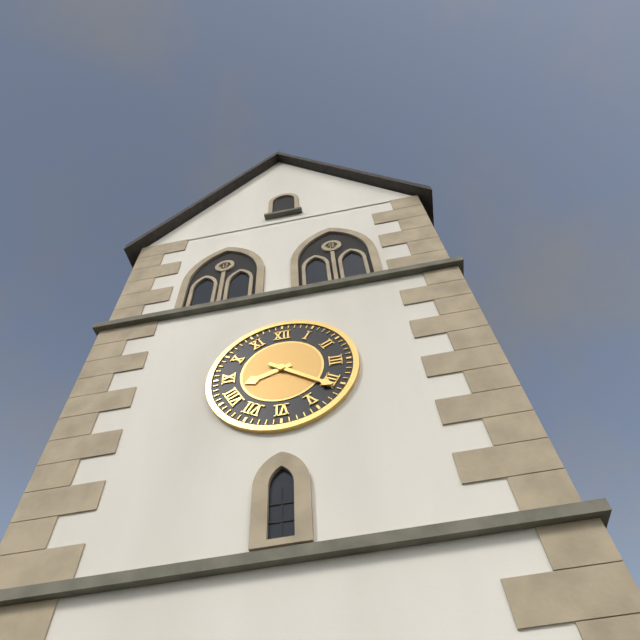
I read 8.21
